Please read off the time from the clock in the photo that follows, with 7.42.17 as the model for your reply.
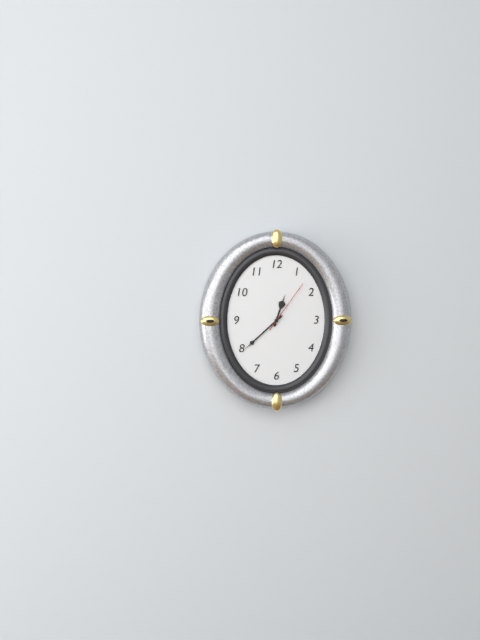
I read 12.38.06
